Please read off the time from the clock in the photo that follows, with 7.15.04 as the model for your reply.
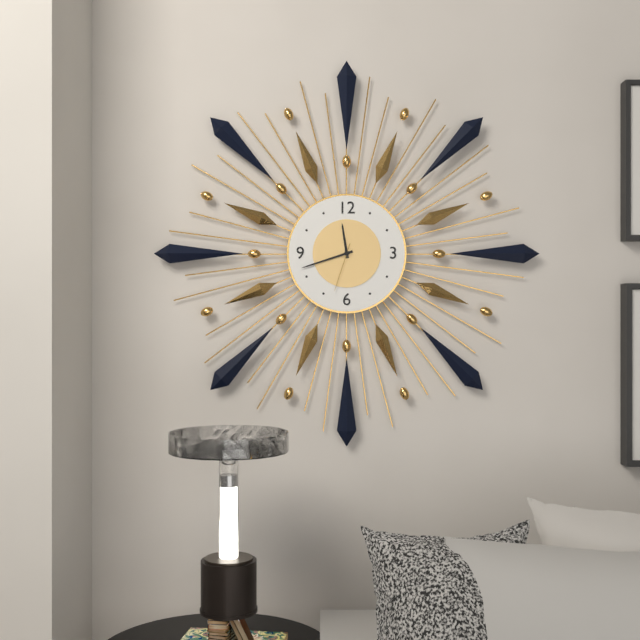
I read 11.42.33
